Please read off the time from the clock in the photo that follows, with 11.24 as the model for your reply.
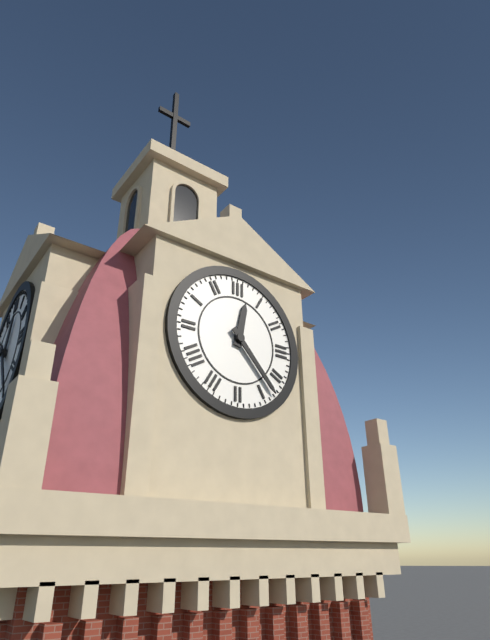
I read 12.23
